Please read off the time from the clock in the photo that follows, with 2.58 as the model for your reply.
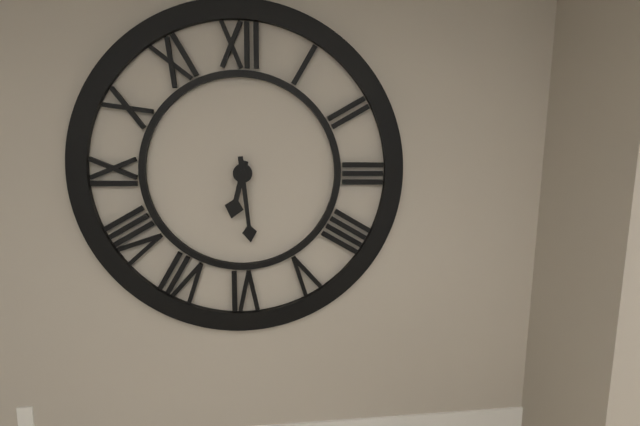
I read 6.29
